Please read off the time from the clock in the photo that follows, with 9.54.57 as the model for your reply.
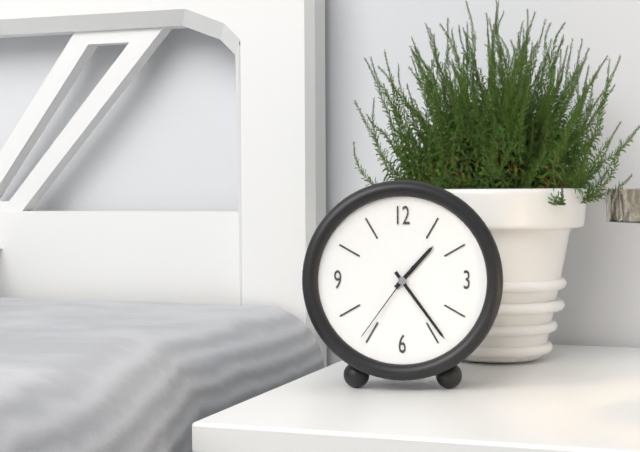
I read 1.24.36
